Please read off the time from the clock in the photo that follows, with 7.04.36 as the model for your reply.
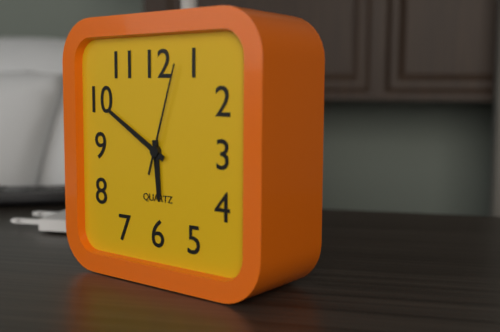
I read 5.50.03
